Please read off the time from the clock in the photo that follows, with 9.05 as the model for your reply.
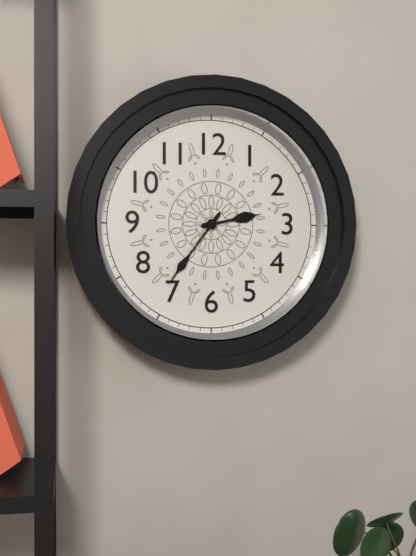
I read 2.36
